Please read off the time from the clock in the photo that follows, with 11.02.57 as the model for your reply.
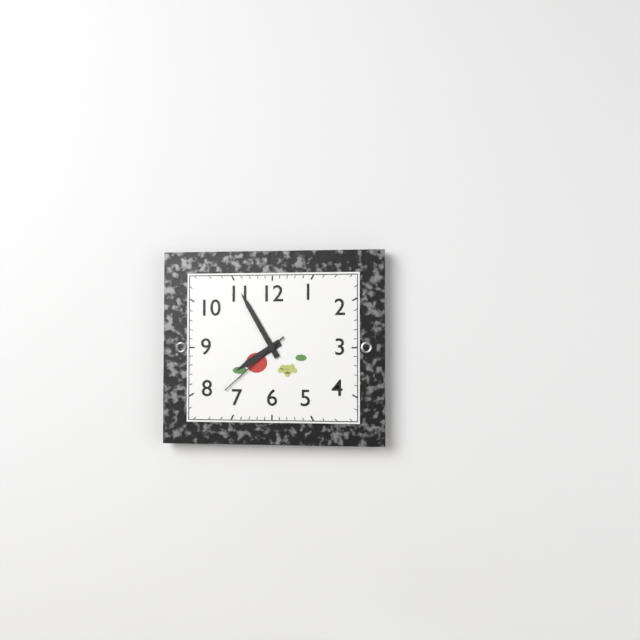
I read 7.55.38
